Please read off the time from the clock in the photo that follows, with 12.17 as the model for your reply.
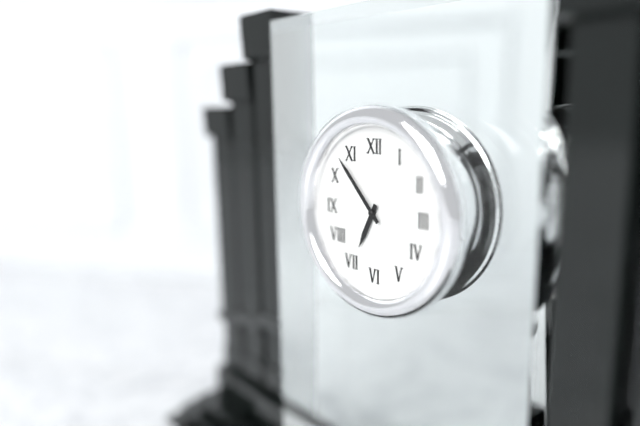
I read 6.53
